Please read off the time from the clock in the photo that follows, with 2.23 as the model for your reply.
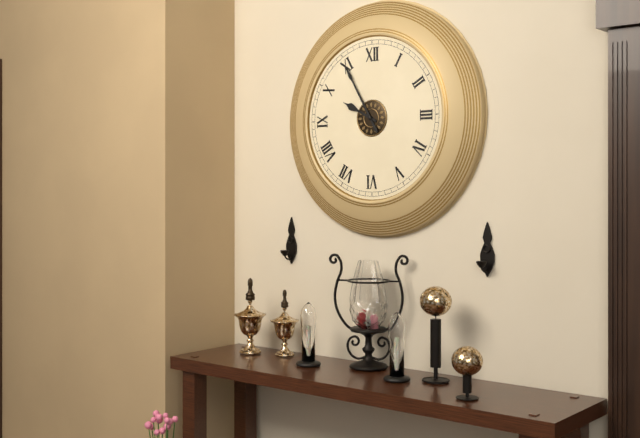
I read 9.55
